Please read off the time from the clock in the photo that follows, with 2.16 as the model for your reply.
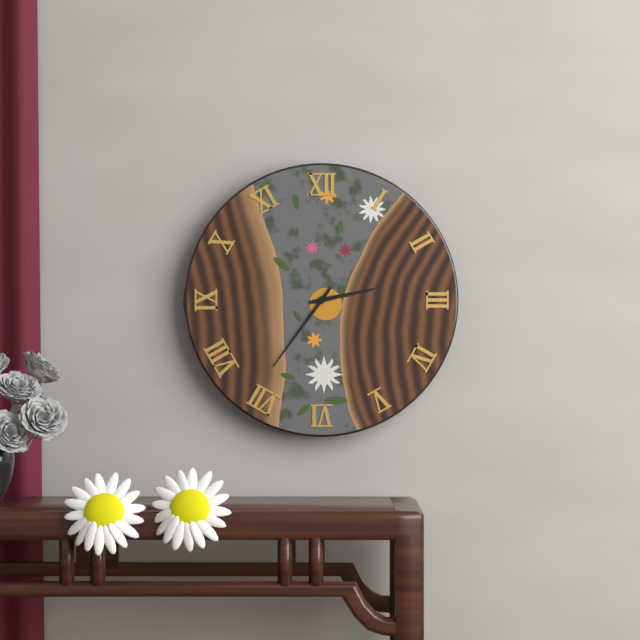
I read 2.36
